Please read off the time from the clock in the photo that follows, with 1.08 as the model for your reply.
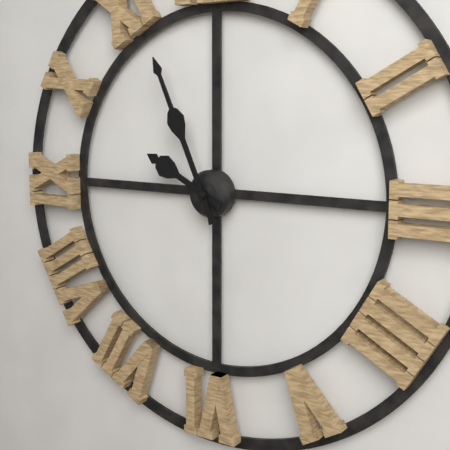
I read 9.56
